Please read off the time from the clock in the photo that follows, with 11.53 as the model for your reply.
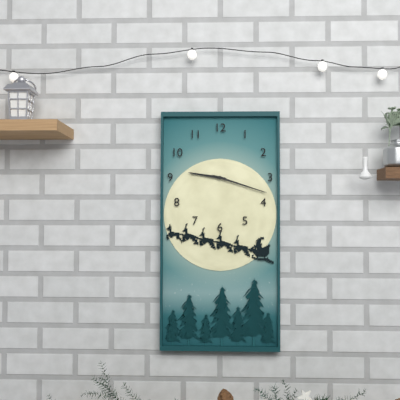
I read 9.18
